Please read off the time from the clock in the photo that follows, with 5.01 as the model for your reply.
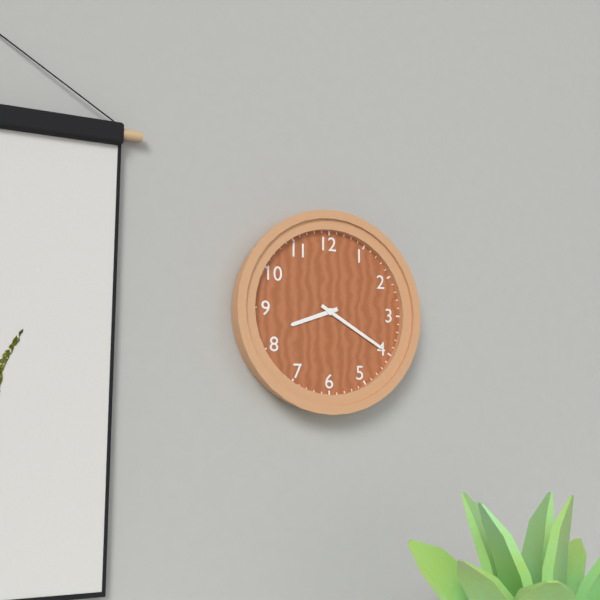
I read 8.20
